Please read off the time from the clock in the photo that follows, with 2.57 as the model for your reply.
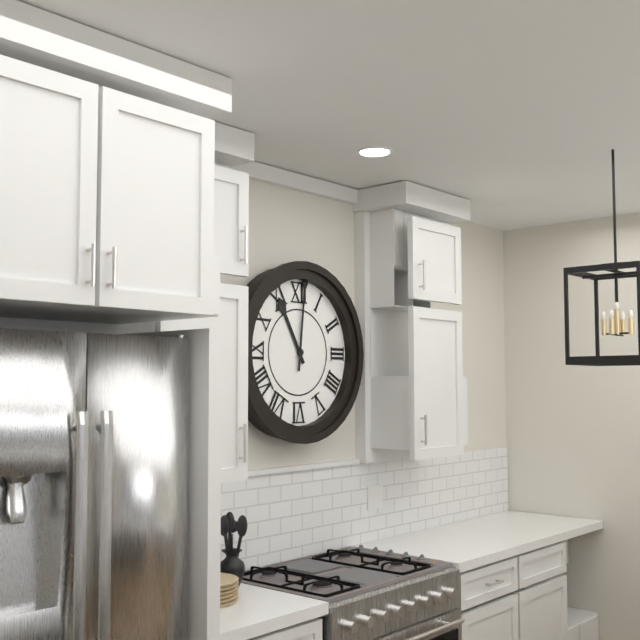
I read 11.01
